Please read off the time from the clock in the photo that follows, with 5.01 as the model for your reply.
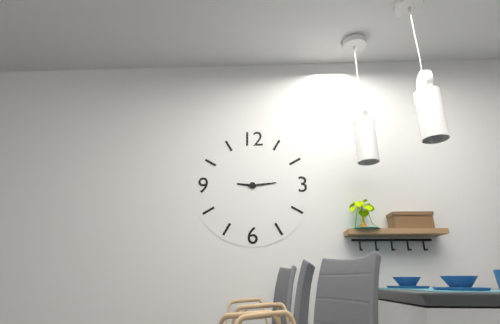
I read 9.14
